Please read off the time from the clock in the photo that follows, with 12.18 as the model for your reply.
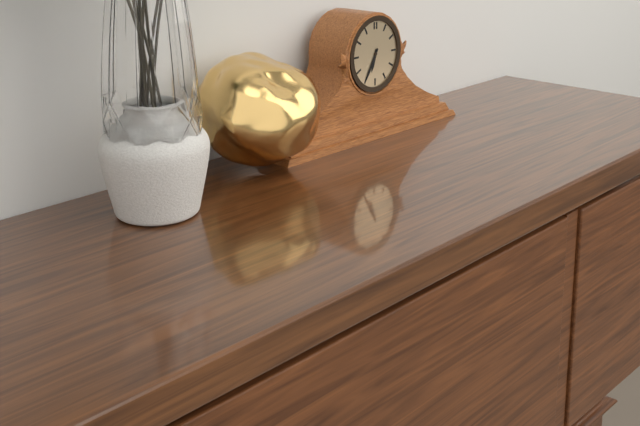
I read 6.35
